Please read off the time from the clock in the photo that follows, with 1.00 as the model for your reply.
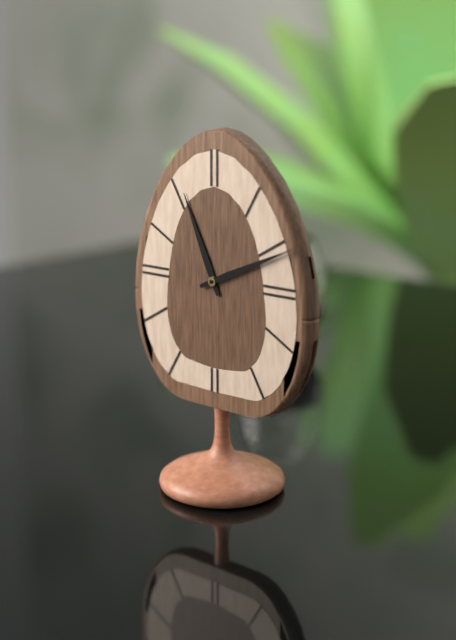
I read 11.11
